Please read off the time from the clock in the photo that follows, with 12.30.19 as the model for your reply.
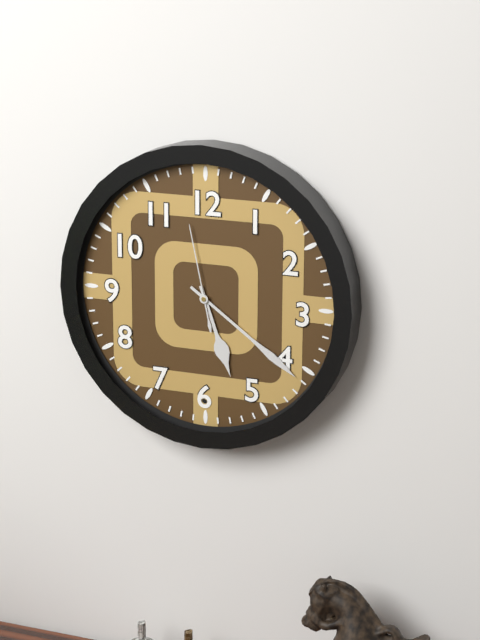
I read 5.21.58
